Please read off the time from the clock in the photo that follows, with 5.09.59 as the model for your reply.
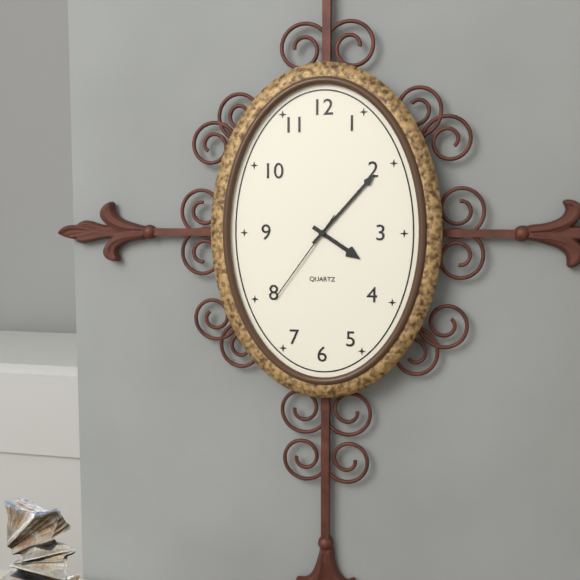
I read 4.07.36
